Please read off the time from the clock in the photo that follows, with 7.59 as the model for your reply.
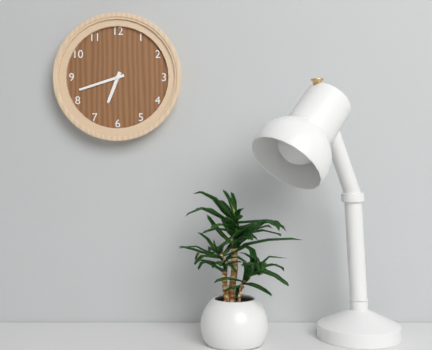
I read 6.42
